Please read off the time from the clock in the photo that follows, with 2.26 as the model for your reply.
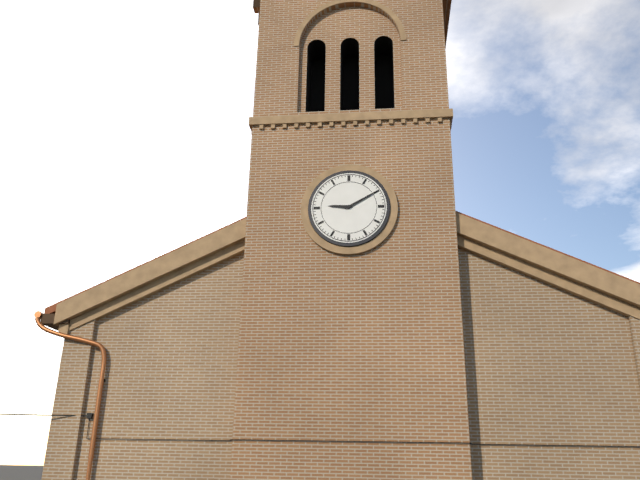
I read 9.10
